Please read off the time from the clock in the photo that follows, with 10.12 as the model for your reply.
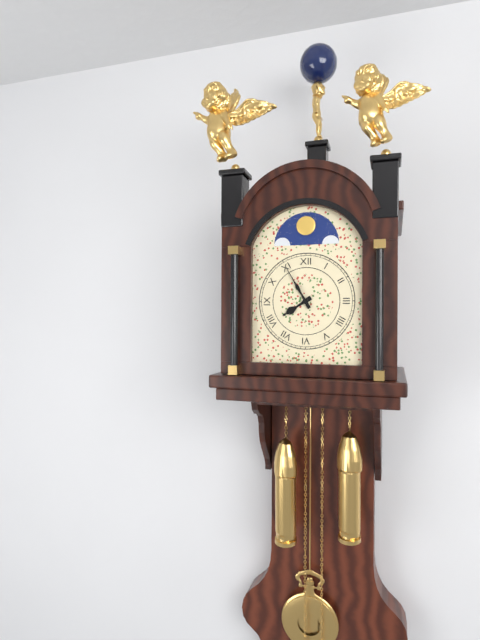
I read 7.55
